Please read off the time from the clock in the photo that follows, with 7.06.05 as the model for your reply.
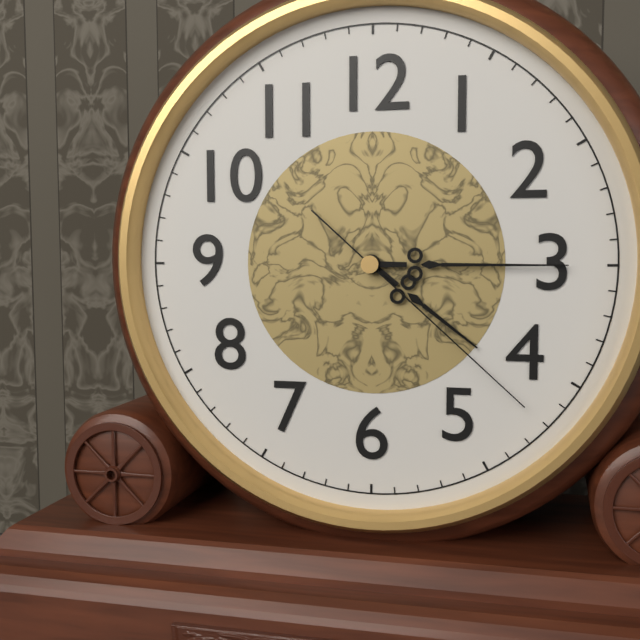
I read 4.15.22
